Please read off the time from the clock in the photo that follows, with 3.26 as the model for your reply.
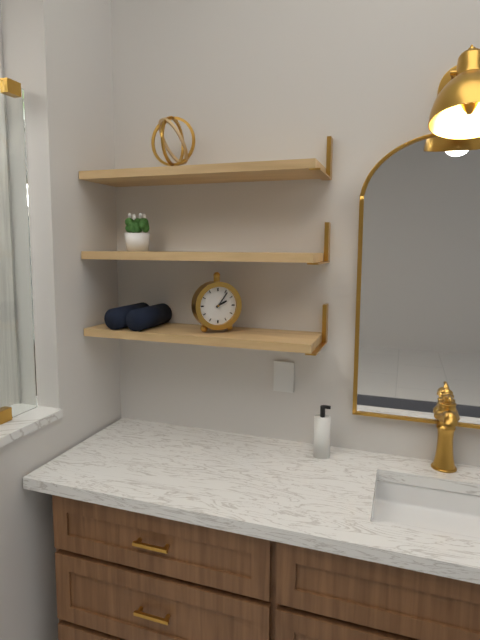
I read 2.06
